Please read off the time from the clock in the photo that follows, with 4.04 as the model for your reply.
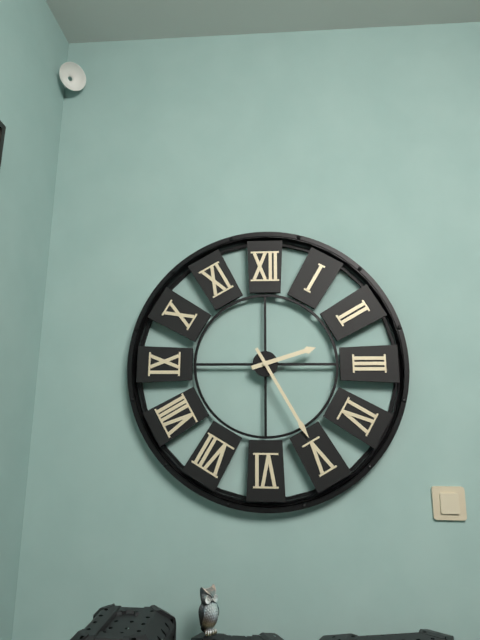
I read 2.25
